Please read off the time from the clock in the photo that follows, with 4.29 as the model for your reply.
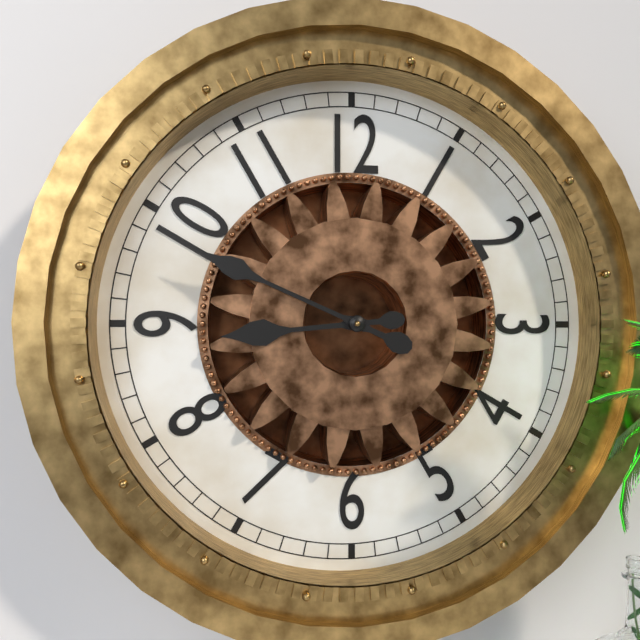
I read 8.49
